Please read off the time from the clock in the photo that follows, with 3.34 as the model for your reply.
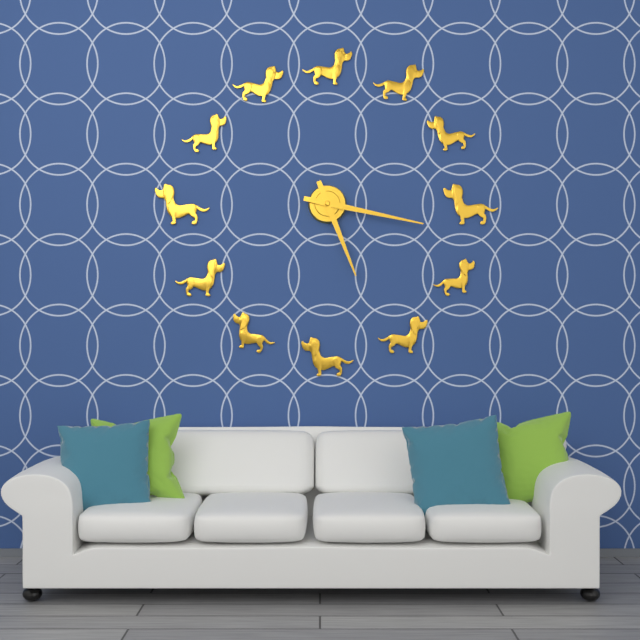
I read 5.17
